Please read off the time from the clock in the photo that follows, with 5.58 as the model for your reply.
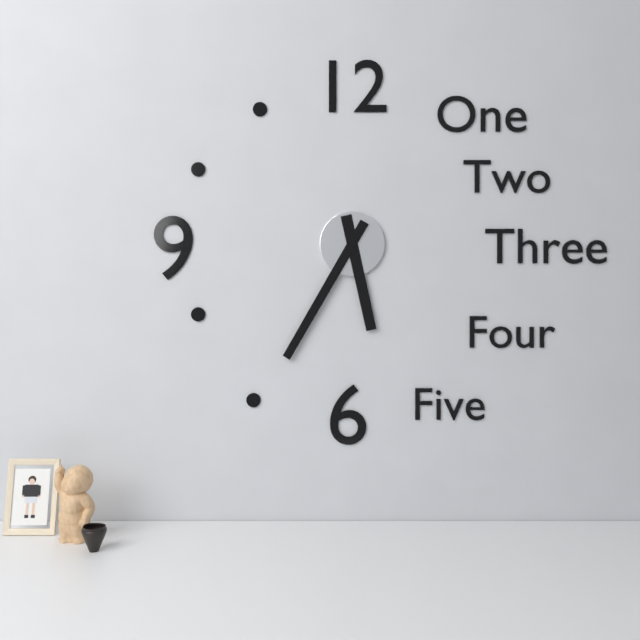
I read 5.35
